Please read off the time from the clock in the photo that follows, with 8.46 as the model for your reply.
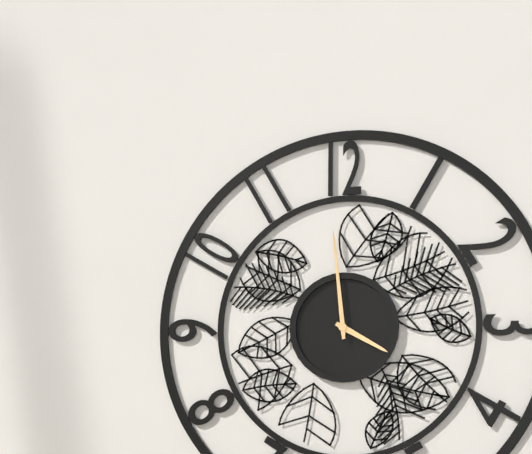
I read 3.59
